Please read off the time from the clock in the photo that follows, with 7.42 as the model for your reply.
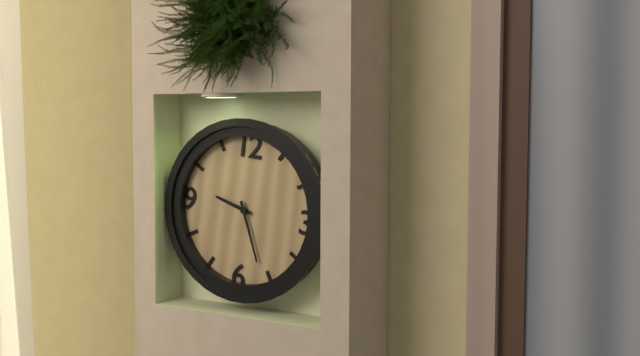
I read 9.26
